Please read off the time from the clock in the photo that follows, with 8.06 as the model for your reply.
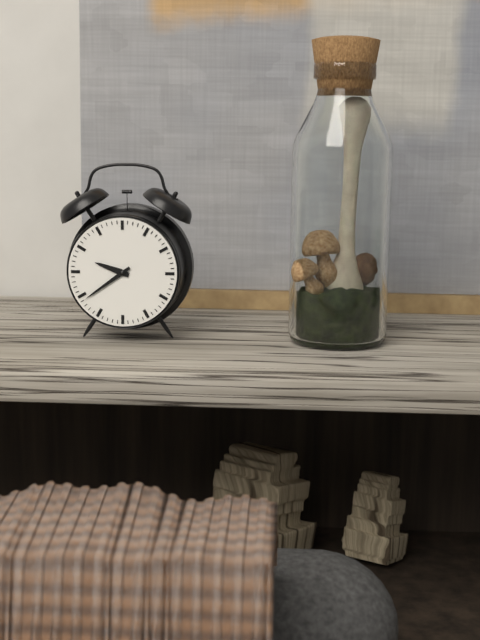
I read 9.39
